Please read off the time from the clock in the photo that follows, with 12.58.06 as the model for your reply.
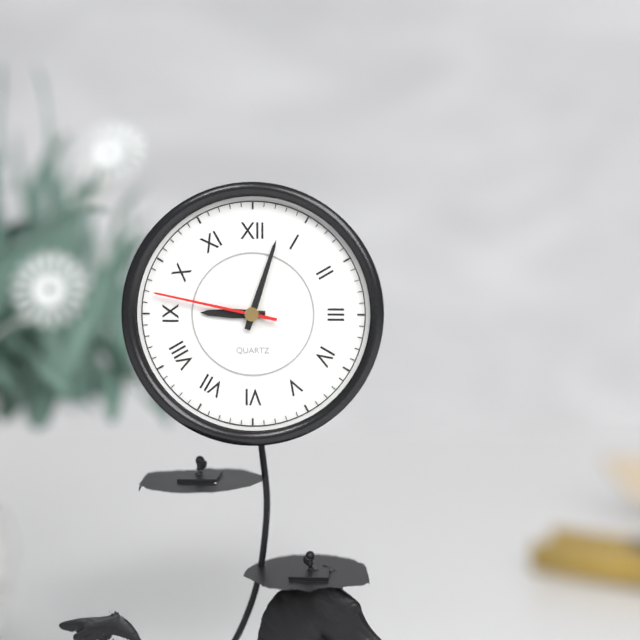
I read 9.03.47
